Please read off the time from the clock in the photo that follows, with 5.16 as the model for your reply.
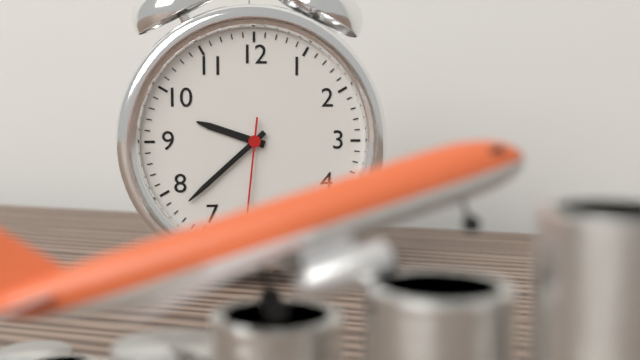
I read 9.38
